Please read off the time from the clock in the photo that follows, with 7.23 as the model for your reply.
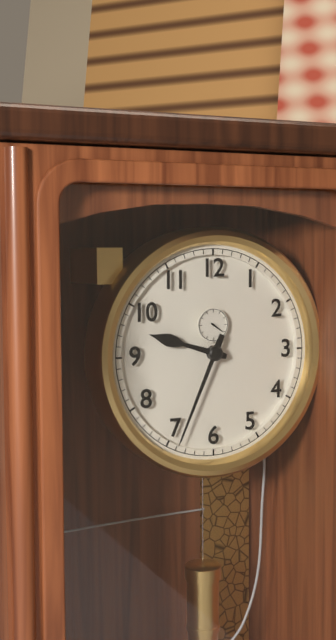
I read 9.34
